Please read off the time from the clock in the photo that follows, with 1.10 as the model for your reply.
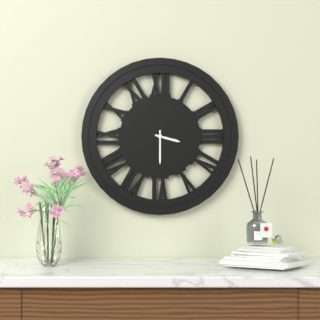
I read 3.30
